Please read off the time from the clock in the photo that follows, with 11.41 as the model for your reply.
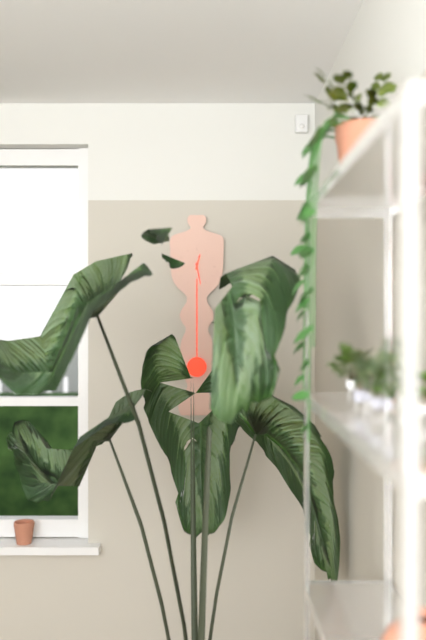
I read 12.28
